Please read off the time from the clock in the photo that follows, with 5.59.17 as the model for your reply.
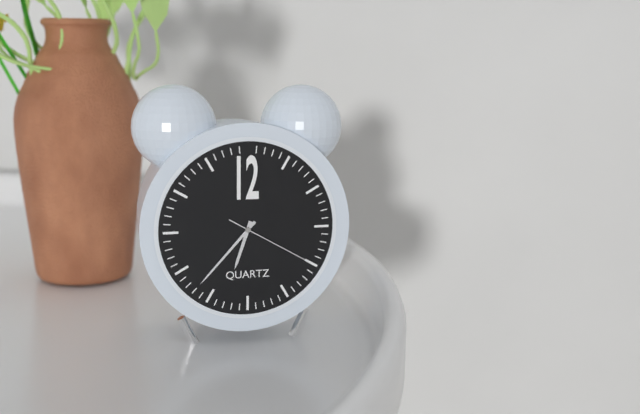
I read 6.37.20
